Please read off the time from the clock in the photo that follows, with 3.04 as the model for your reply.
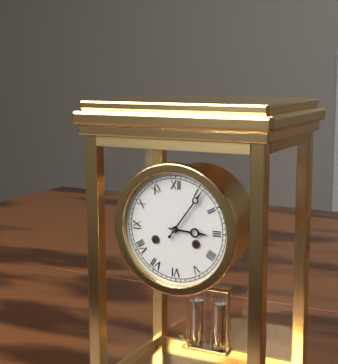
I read 3.06
